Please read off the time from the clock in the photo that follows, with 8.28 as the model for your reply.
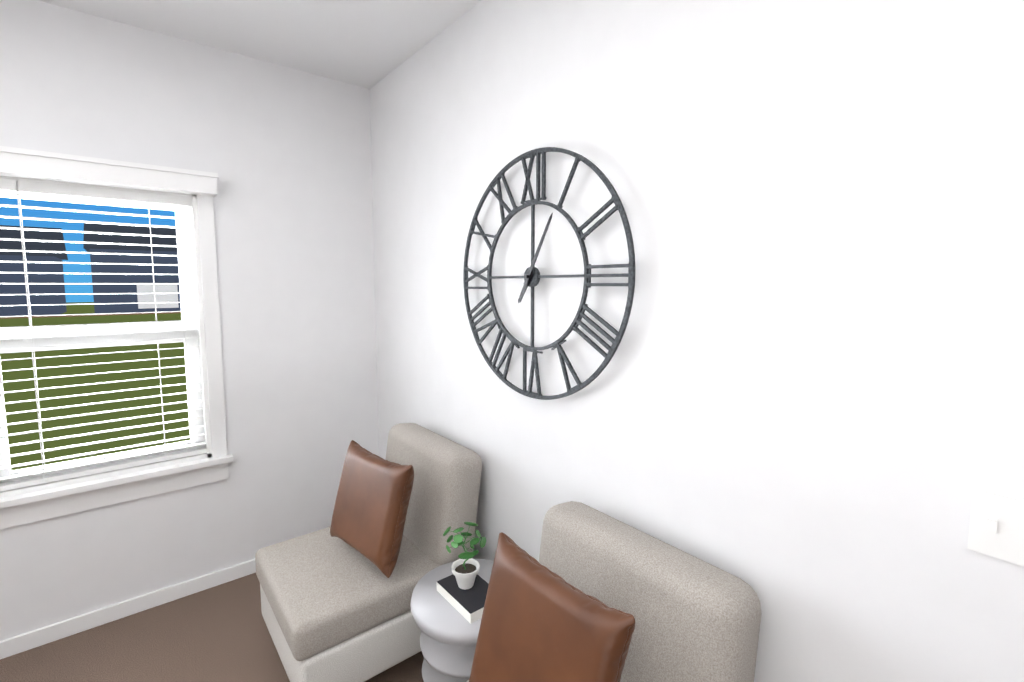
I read 7.05
